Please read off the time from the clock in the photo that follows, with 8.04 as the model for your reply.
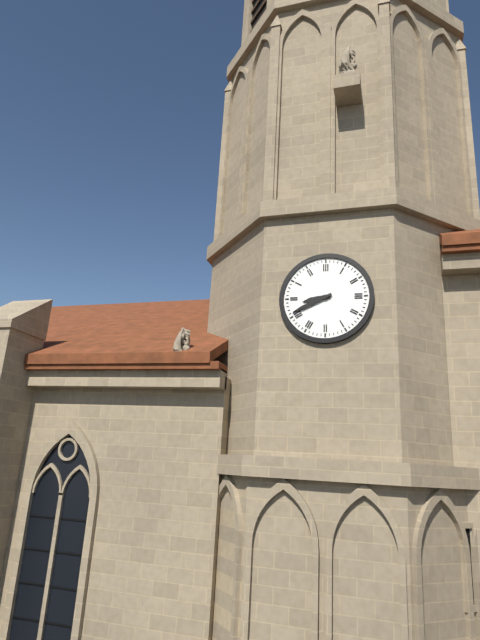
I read 8.41
